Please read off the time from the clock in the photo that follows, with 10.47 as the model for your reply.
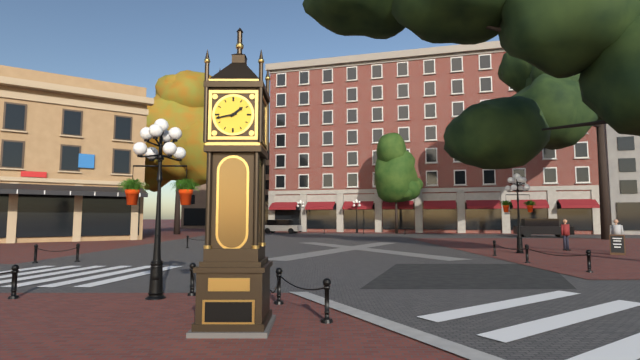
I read 1.43
